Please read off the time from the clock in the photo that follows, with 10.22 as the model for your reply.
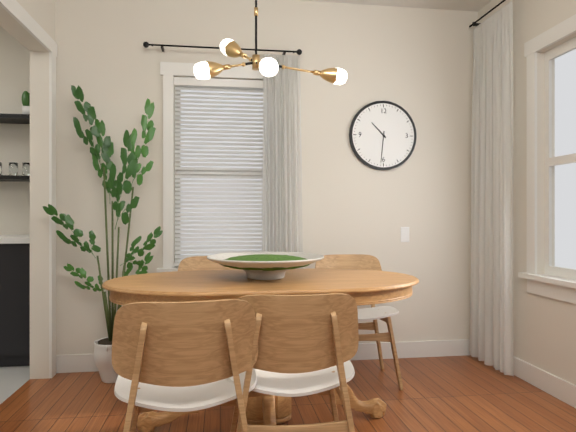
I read 10.31
